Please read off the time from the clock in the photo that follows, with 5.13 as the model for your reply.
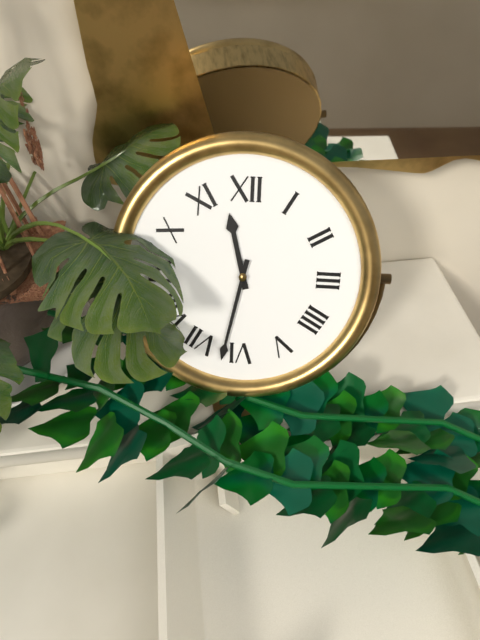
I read 11.32
